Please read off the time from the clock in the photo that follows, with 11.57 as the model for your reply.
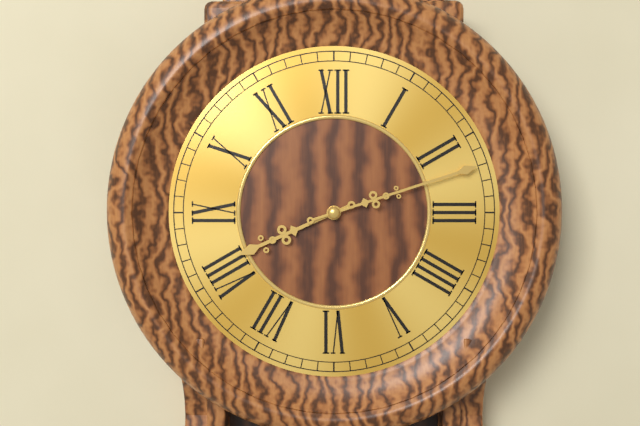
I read 8.12
